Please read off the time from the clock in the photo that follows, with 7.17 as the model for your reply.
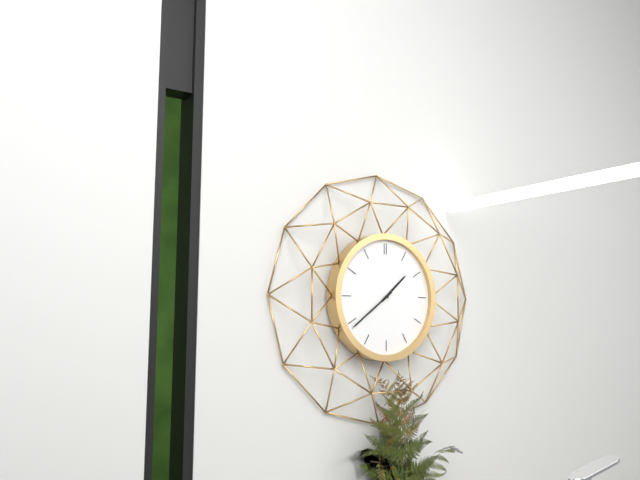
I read 1.39
